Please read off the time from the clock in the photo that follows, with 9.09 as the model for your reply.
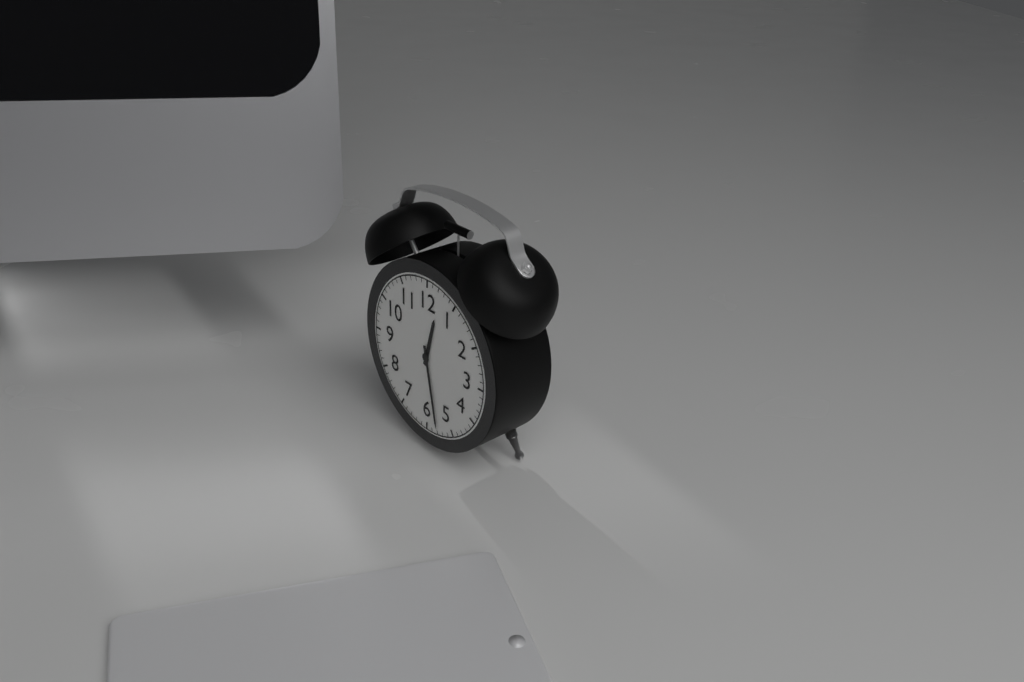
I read 12.28
